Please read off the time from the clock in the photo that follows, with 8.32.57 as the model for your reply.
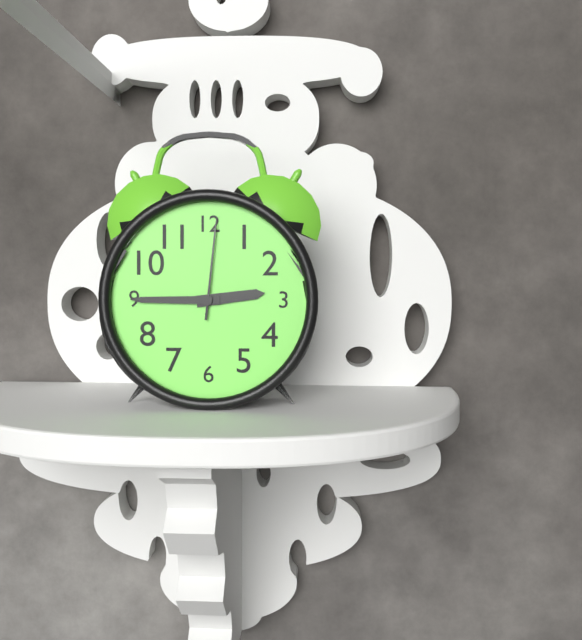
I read 2.45.01
